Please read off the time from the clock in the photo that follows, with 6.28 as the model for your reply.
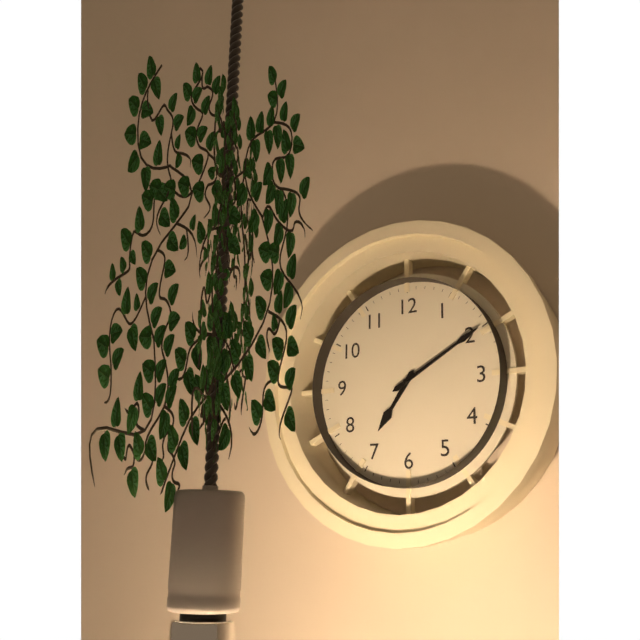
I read 7.10
